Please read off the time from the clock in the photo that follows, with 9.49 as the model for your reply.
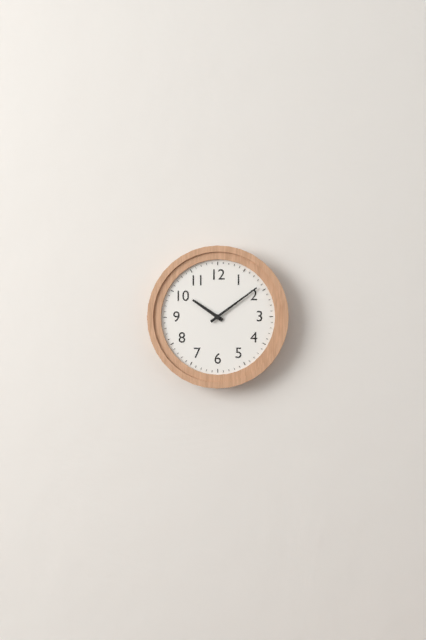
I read 10.09
